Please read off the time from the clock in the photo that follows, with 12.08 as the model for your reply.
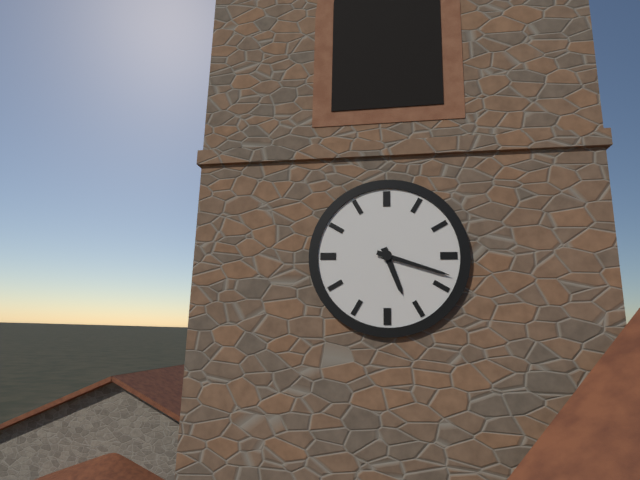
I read 5.18
